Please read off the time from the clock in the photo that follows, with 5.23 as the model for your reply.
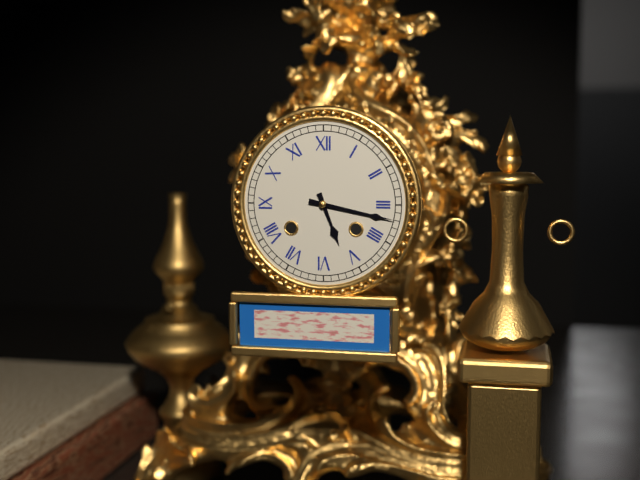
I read 5.17
